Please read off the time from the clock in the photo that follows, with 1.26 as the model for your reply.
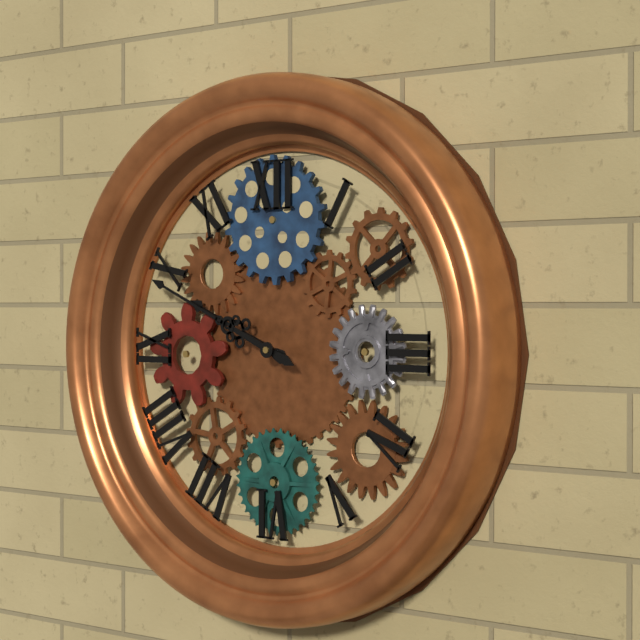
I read 9.49
